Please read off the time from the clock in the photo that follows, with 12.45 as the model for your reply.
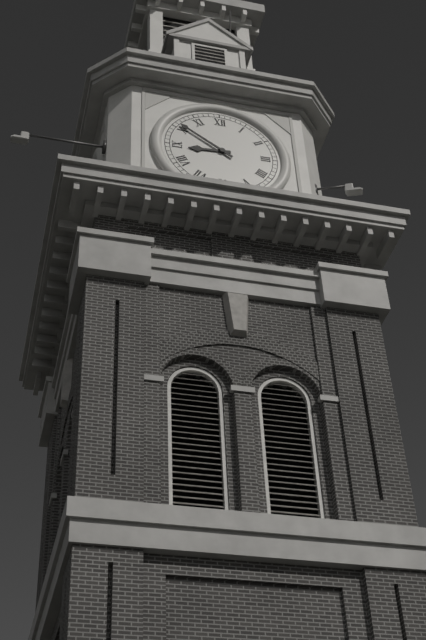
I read 8.51
